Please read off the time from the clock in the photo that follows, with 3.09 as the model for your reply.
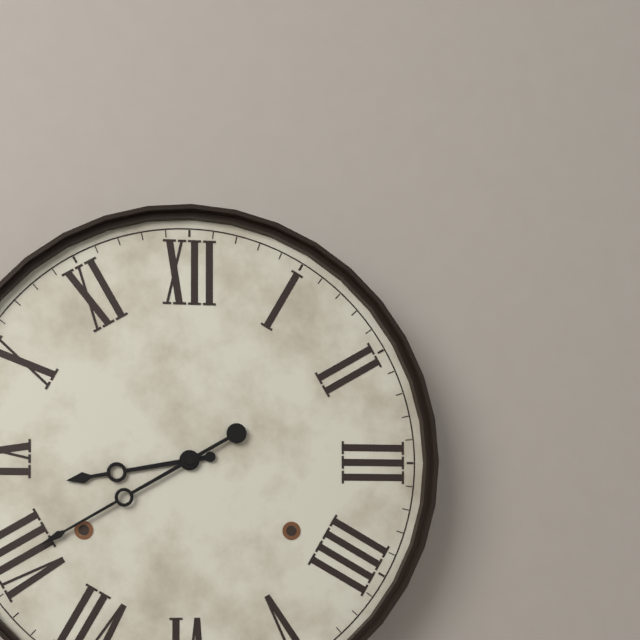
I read 8.40
